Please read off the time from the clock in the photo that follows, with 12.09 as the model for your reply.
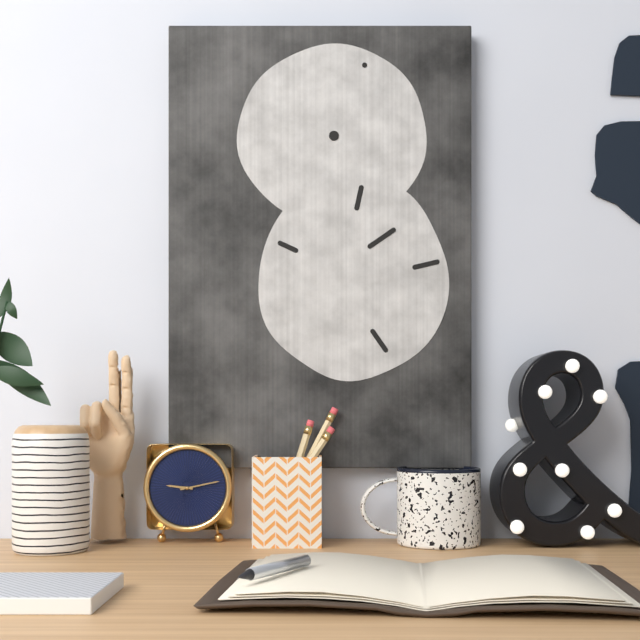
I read 9.13
